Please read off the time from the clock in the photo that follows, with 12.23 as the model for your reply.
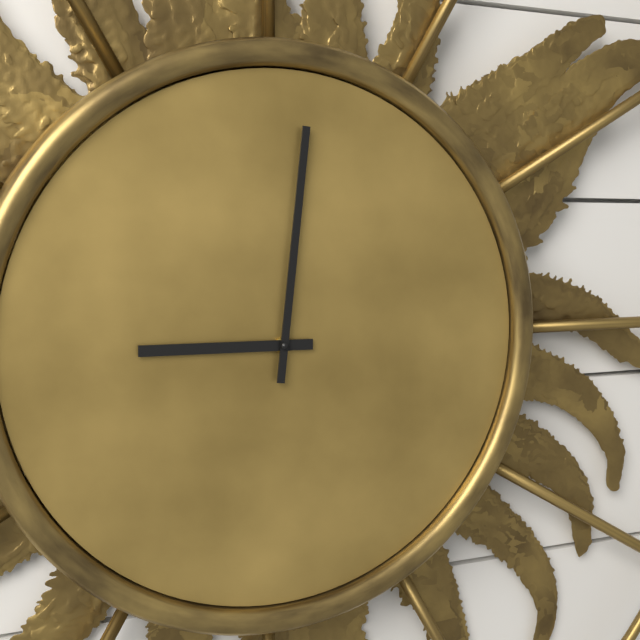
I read 9.01
